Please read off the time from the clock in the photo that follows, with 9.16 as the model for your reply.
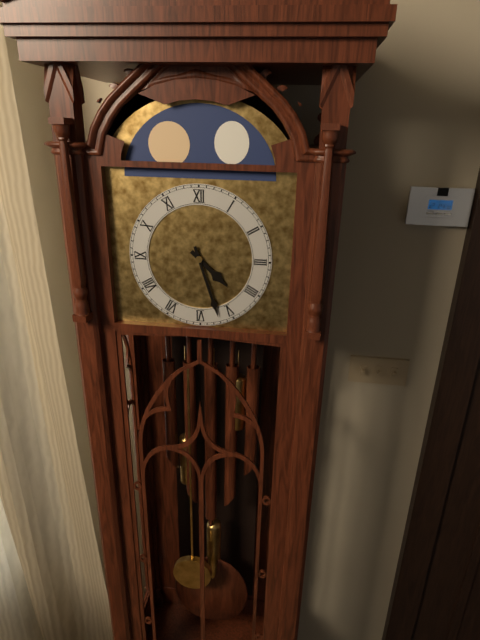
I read 4.27
